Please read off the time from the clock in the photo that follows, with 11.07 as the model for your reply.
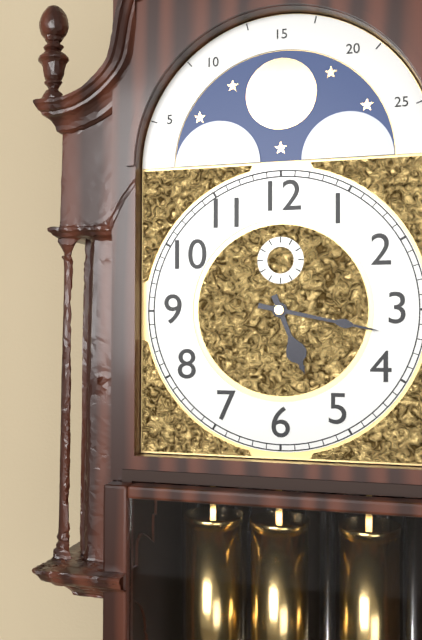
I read 5.17
